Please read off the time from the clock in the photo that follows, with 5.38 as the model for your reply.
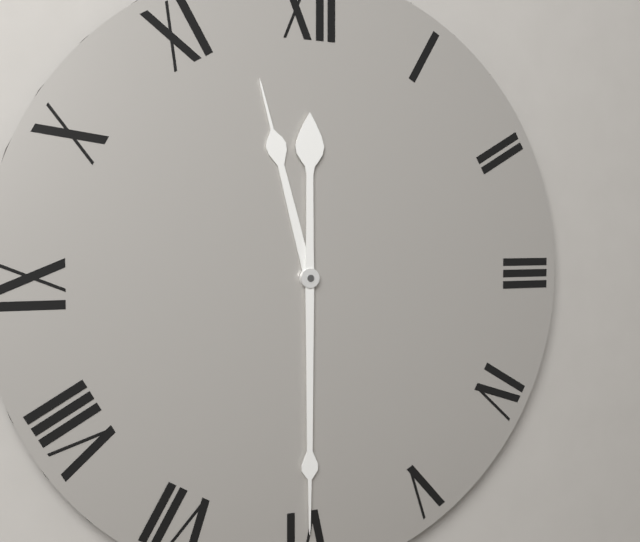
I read 11.30
